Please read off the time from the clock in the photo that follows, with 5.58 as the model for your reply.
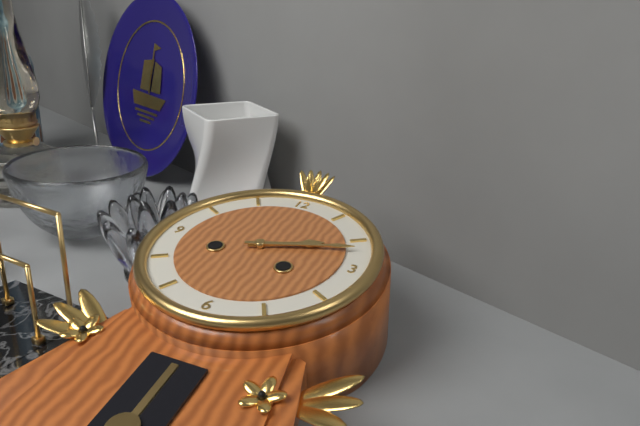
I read 2.12
